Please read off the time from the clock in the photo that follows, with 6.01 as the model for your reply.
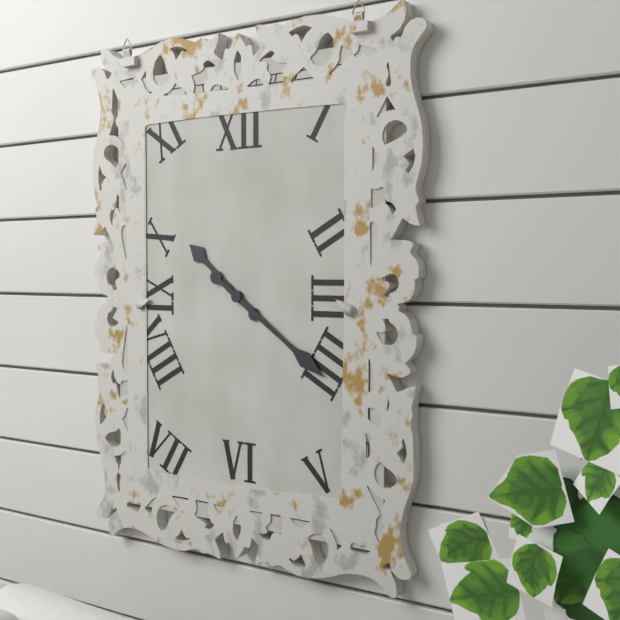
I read 10.21
